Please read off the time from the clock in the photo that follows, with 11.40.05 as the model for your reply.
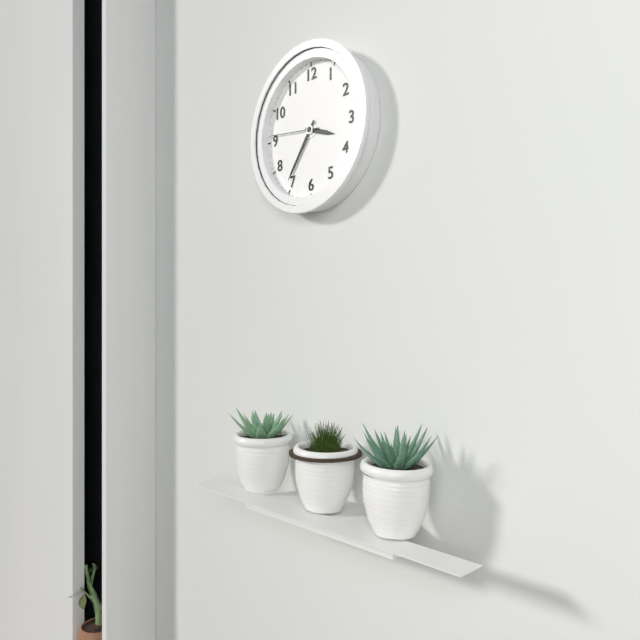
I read 3.36.46
